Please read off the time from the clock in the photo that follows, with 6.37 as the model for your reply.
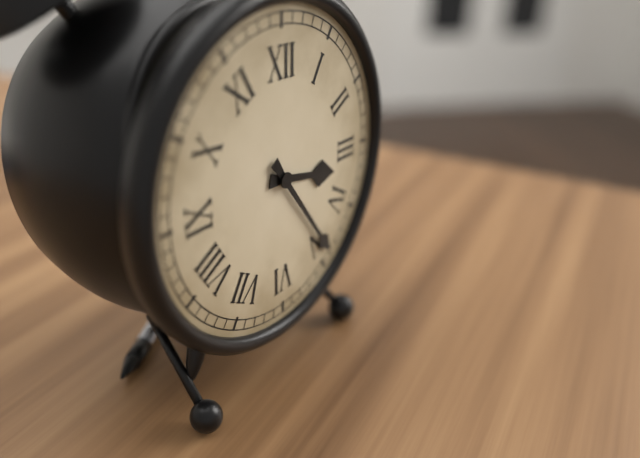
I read 3.24
